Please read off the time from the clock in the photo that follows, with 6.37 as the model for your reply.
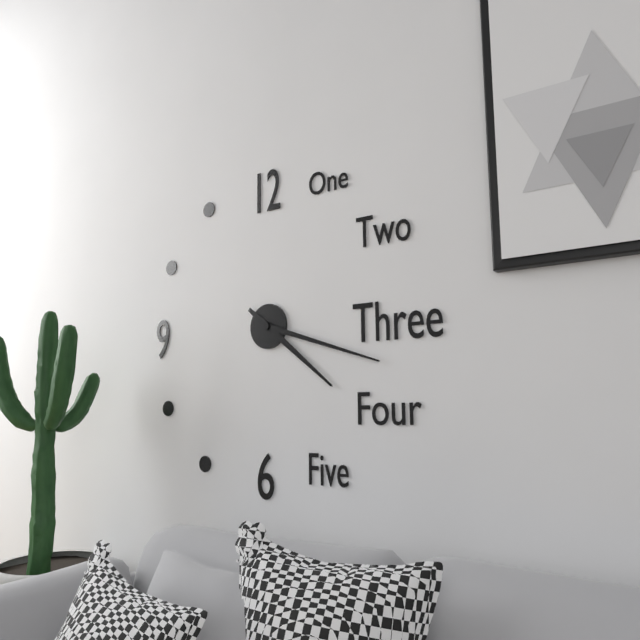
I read 4.18
